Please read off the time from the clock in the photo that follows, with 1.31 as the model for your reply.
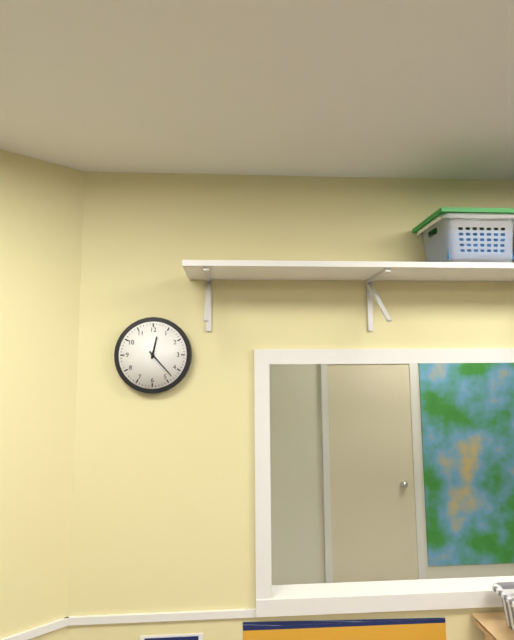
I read 12.23
